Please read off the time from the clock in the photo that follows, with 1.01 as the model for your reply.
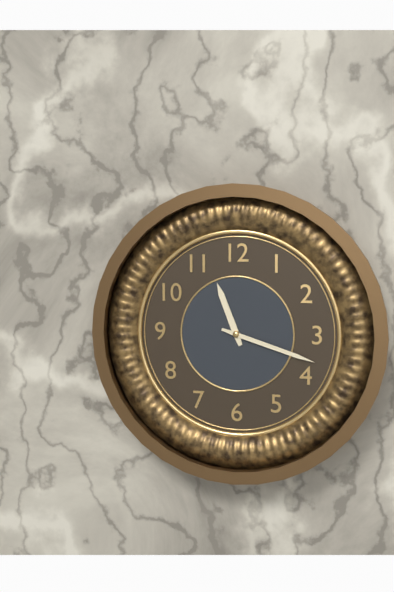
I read 11.18
